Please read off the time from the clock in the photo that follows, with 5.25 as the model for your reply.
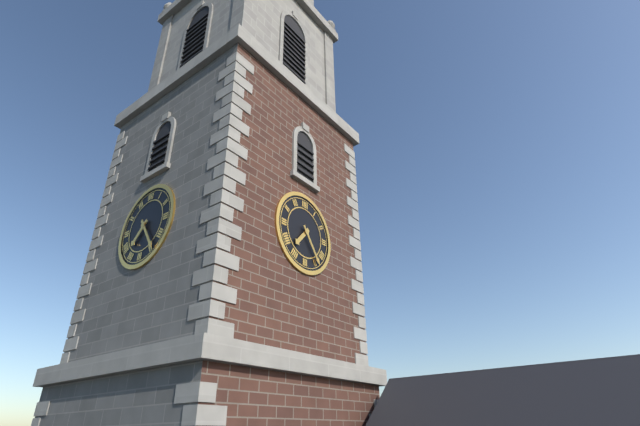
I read 7.24
